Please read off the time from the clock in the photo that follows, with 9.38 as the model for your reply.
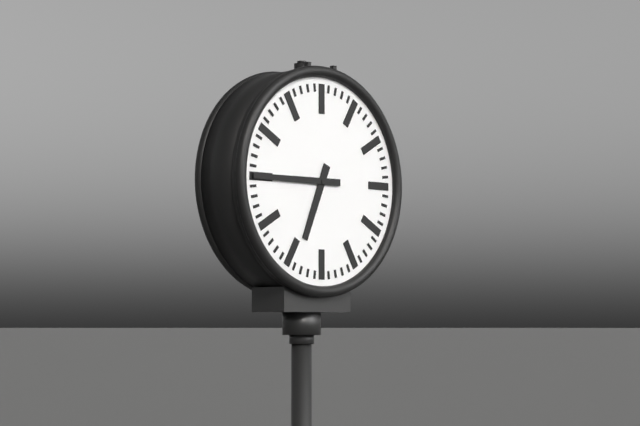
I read 6.45
